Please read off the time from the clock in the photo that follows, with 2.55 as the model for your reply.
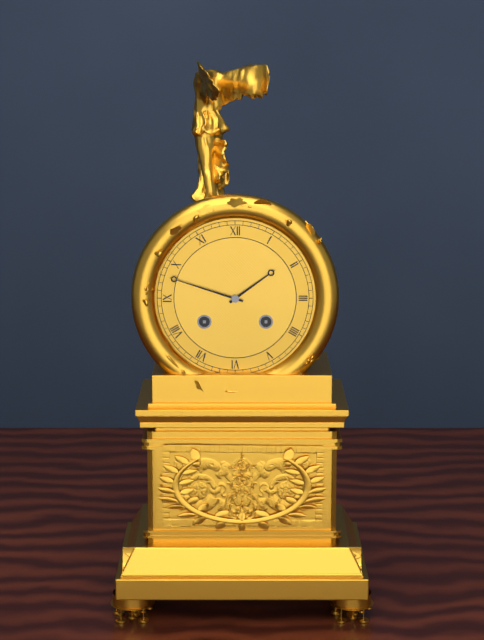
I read 1.48
